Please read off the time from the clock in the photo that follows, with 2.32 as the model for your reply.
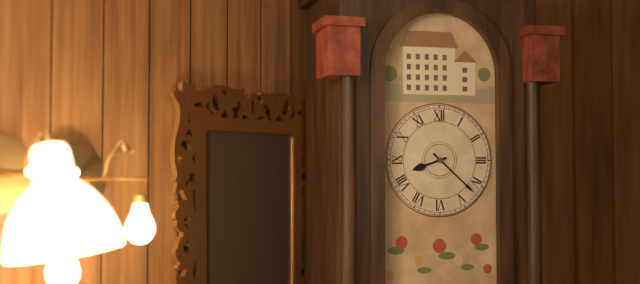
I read 8.22
